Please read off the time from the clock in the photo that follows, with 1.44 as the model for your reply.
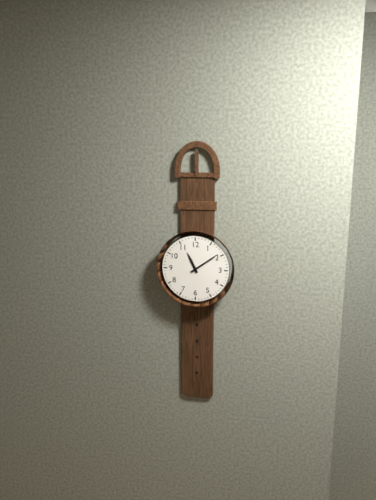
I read 11.09
